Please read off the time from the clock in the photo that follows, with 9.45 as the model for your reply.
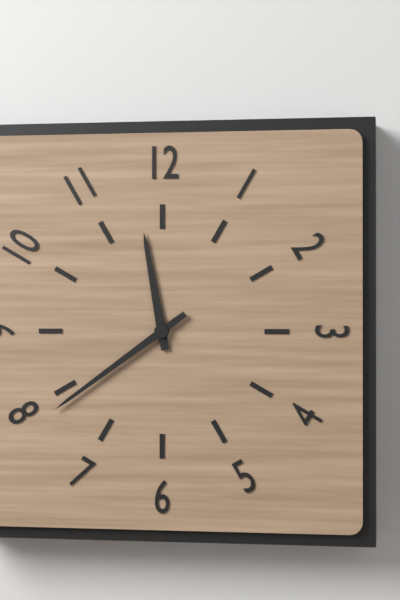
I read 11.39
